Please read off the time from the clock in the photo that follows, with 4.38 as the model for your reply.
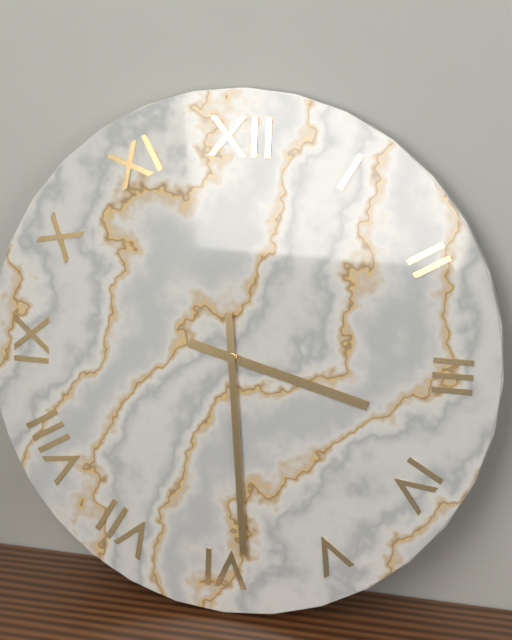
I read 3.29
